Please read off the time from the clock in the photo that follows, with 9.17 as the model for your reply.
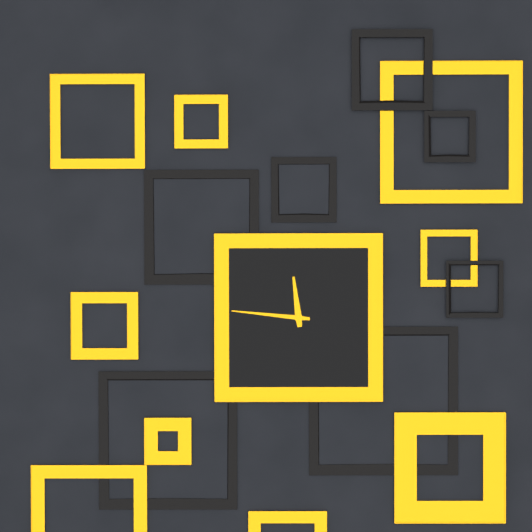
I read 11.46
